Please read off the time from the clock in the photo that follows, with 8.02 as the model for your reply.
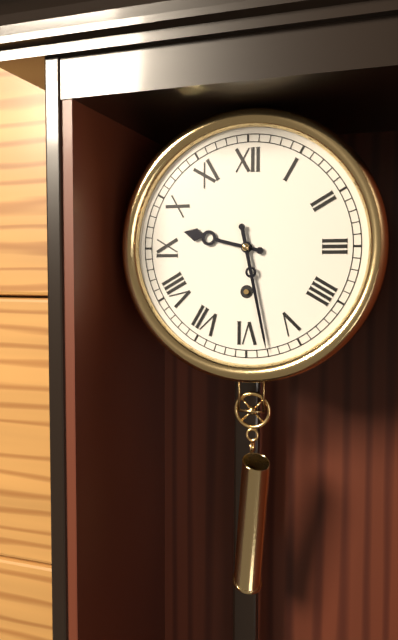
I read 9.28
